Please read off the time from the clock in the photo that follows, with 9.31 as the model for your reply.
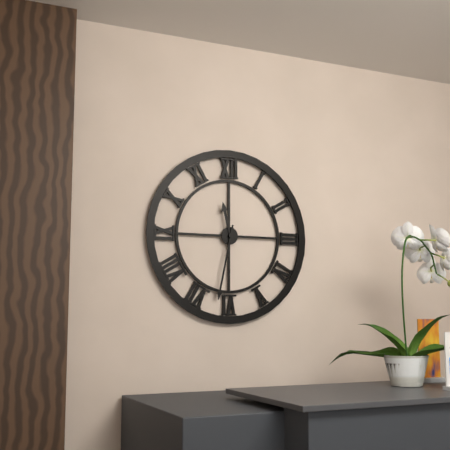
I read 11.32
